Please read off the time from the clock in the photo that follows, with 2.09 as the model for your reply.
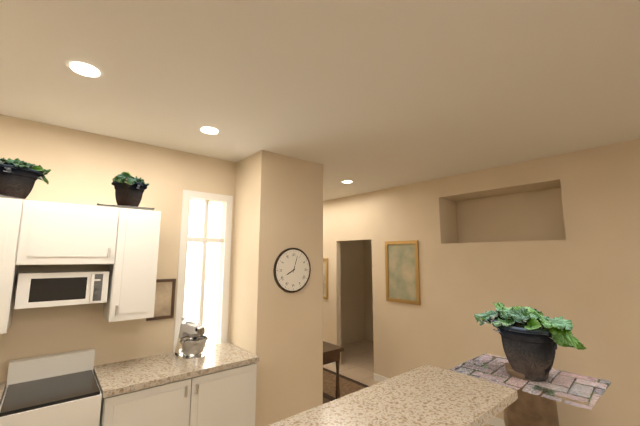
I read 8.03
